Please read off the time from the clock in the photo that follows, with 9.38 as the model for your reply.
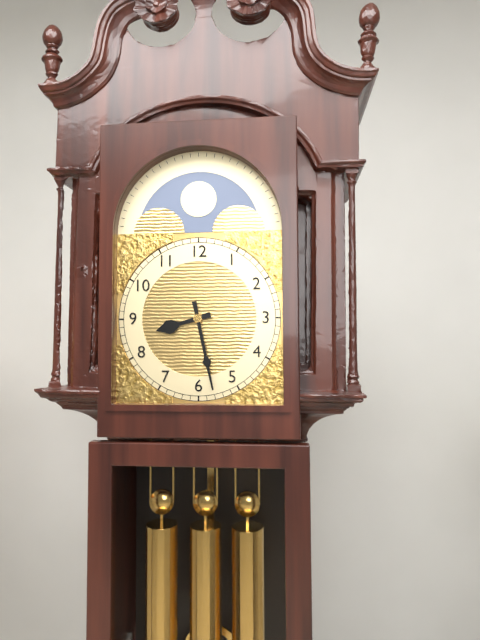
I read 8.28
